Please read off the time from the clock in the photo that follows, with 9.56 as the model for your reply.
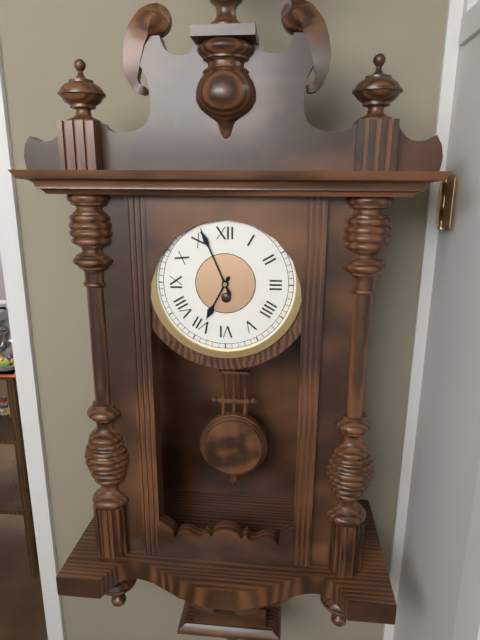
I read 6.56
